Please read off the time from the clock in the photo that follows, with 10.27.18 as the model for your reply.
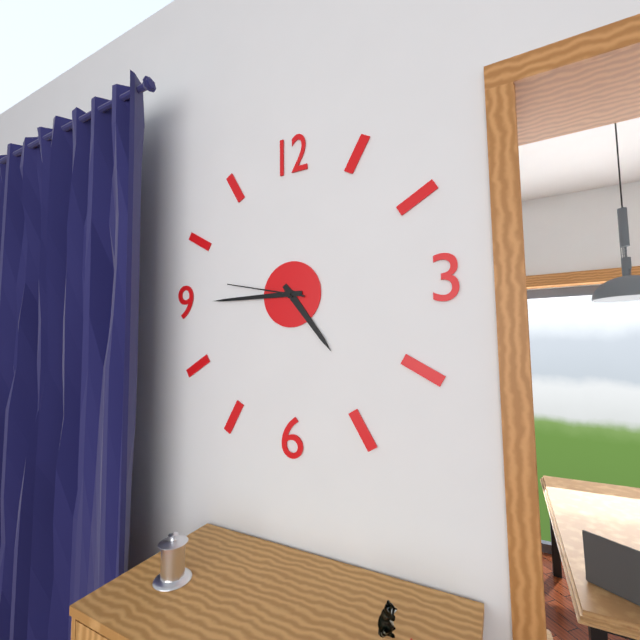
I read 4.45.47
